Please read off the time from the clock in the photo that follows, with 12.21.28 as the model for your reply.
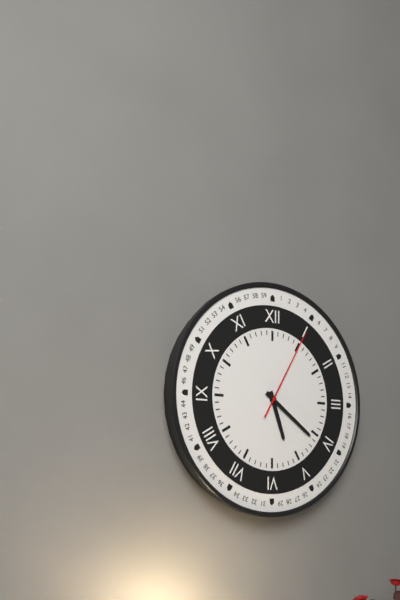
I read 5.21.05
